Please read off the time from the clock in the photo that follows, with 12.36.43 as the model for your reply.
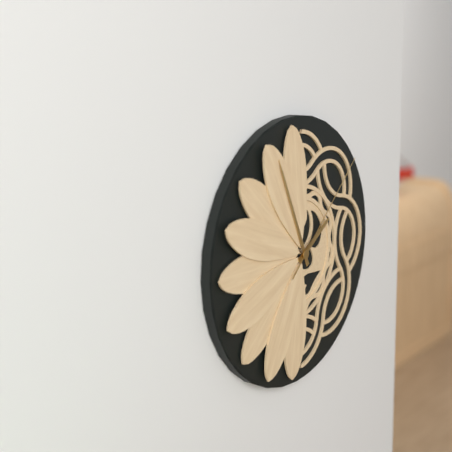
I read 1.56.08
